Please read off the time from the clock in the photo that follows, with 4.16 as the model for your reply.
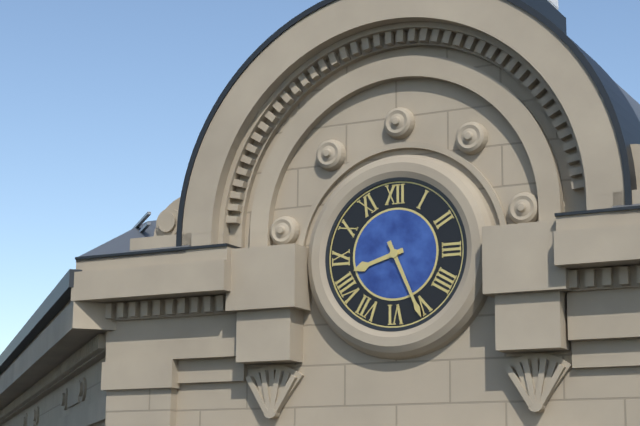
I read 8.26
